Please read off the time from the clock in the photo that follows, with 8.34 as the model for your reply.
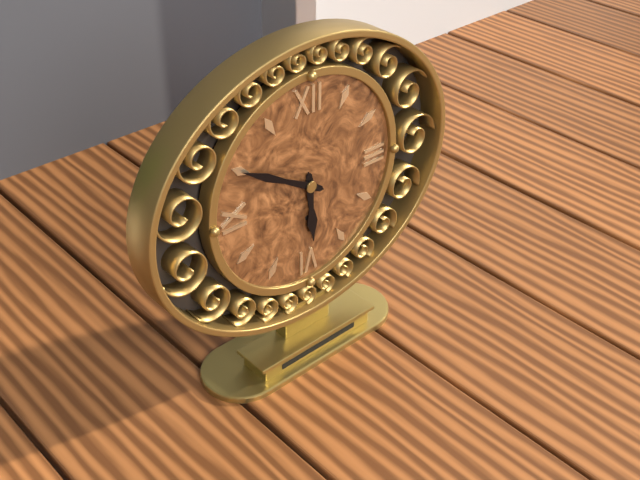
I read 5.50
